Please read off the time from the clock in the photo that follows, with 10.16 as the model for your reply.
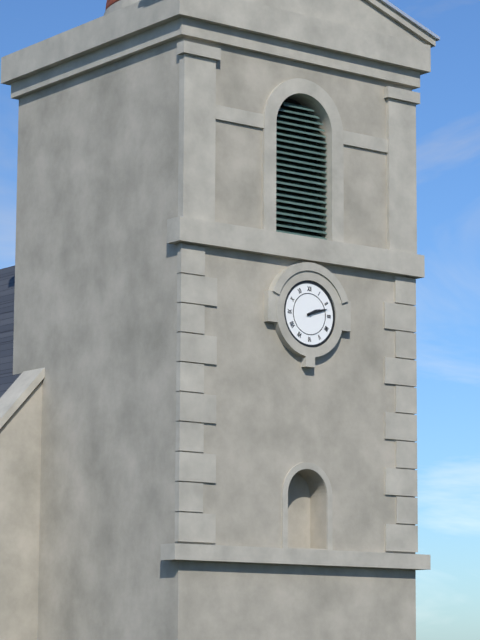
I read 2.12
